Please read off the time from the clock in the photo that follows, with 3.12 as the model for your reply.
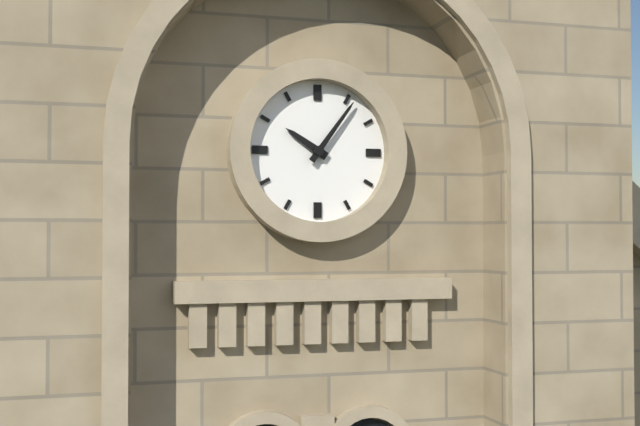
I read 10.06
